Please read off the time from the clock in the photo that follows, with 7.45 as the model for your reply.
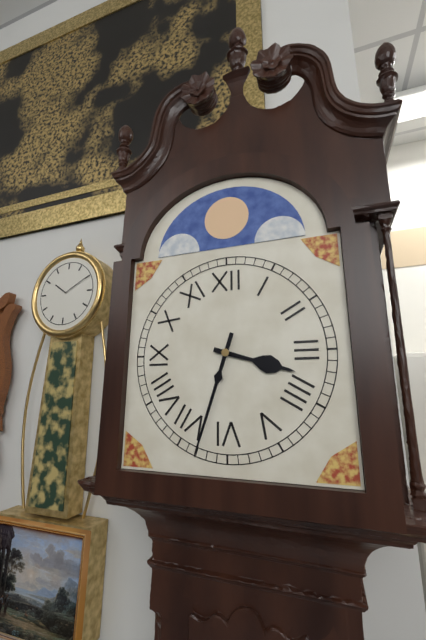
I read 3.33
